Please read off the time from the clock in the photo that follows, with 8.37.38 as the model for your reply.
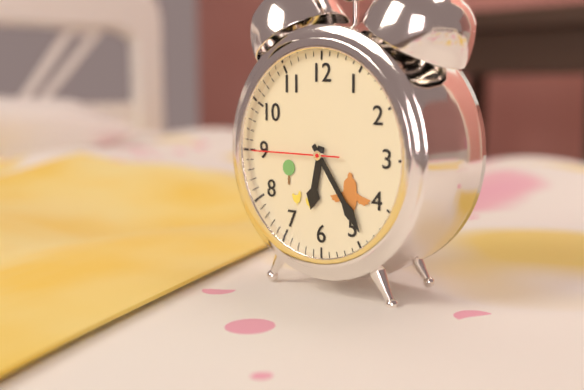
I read 6.24.45
